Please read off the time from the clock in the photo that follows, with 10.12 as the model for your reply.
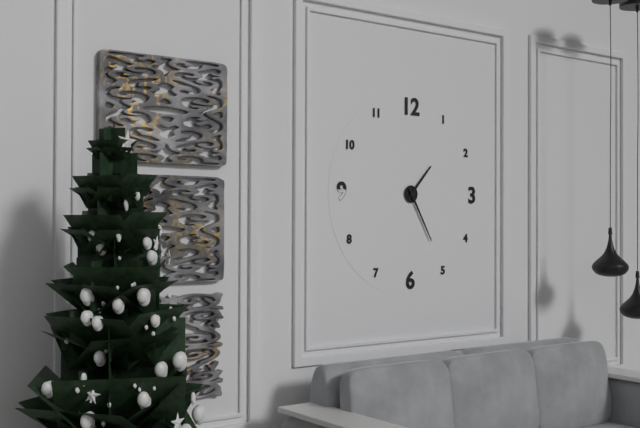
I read 1.25
